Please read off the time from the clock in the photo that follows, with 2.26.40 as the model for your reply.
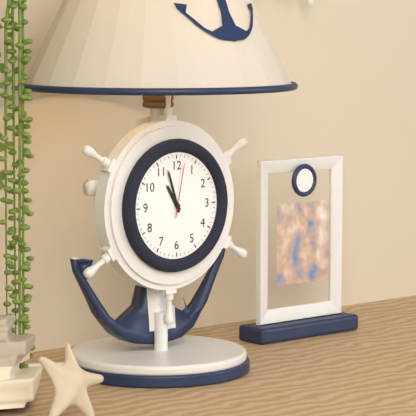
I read 10.57.02
